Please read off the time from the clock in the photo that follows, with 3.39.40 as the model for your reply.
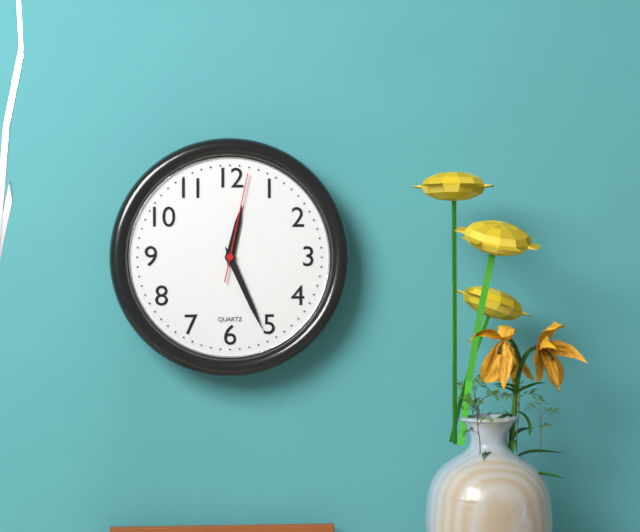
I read 12.26.02
